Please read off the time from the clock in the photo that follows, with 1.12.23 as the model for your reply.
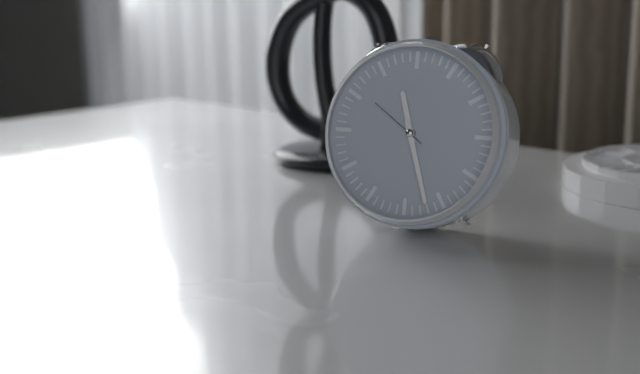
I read 11.27.51
